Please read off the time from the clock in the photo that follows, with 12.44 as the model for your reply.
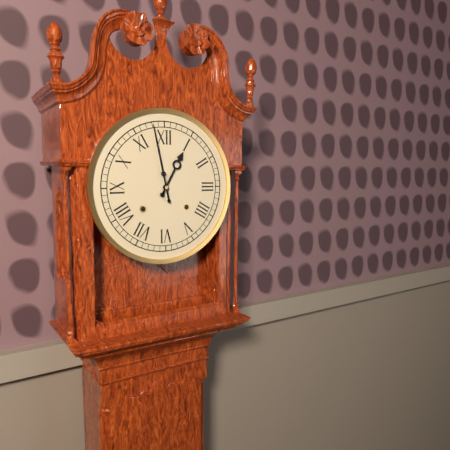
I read 12.58
